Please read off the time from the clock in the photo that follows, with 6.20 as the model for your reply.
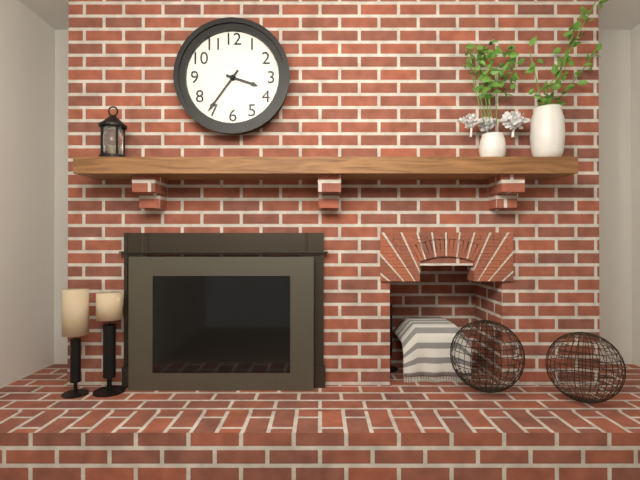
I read 3.36
